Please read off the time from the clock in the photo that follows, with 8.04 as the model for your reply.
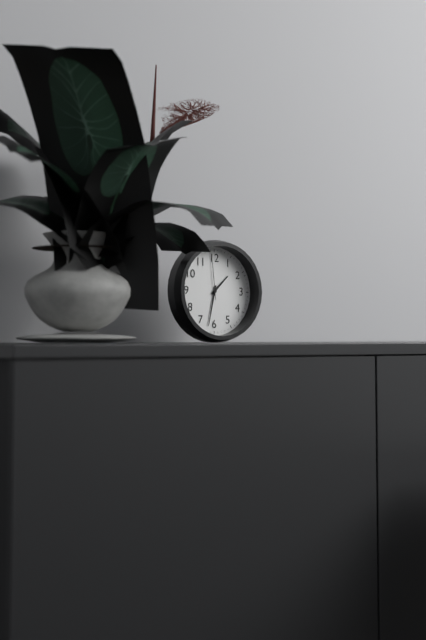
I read 1.32
